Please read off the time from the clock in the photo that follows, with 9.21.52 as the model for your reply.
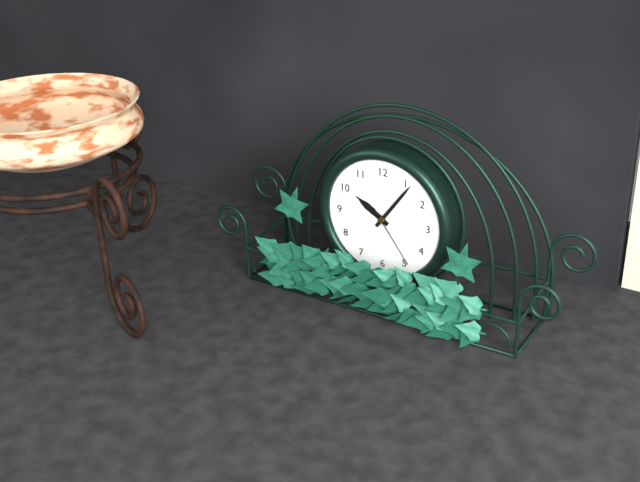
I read 10.06.24
